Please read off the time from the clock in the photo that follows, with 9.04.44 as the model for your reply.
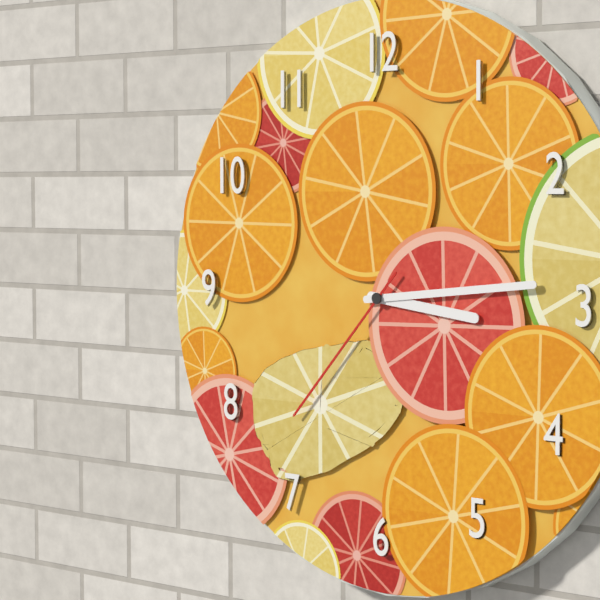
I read 3.14.37
